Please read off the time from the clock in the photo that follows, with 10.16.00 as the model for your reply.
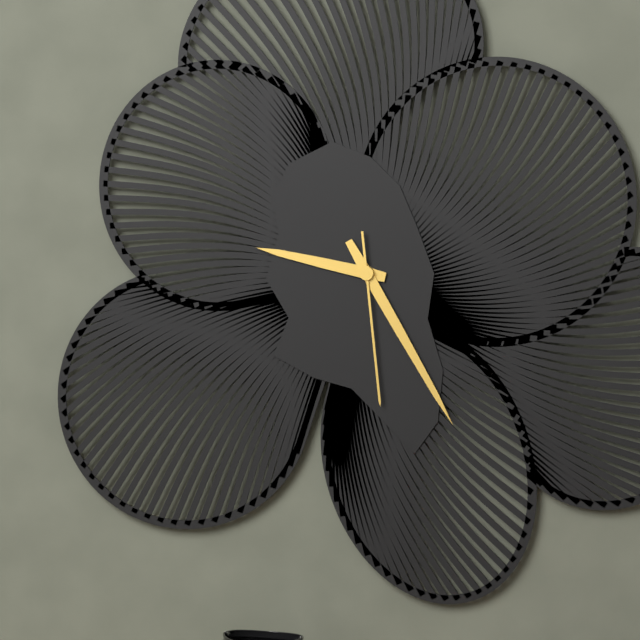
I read 9.25.29
